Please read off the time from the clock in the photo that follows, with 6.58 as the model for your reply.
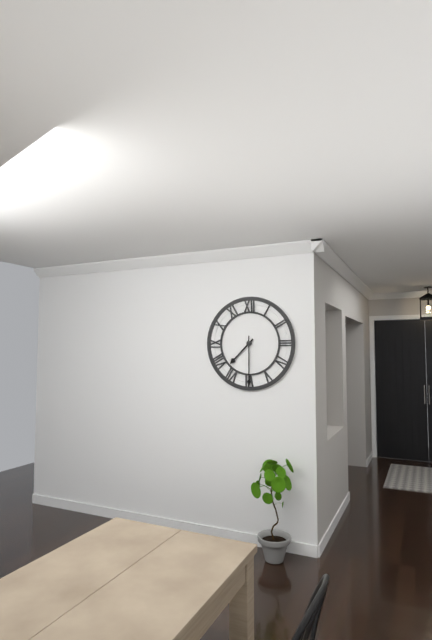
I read 7.30
